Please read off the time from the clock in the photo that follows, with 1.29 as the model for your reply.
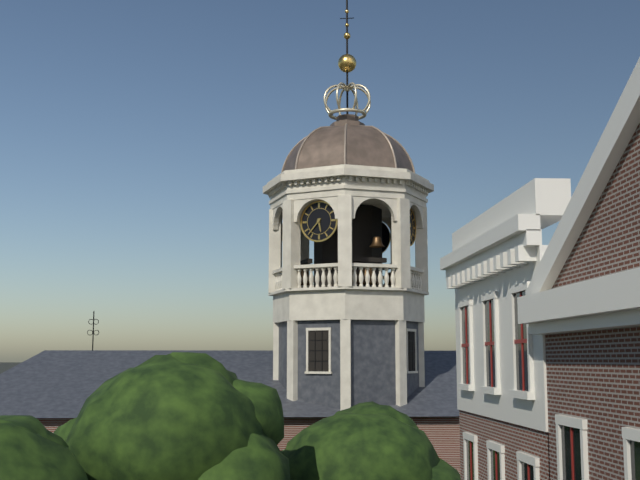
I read 5.37
